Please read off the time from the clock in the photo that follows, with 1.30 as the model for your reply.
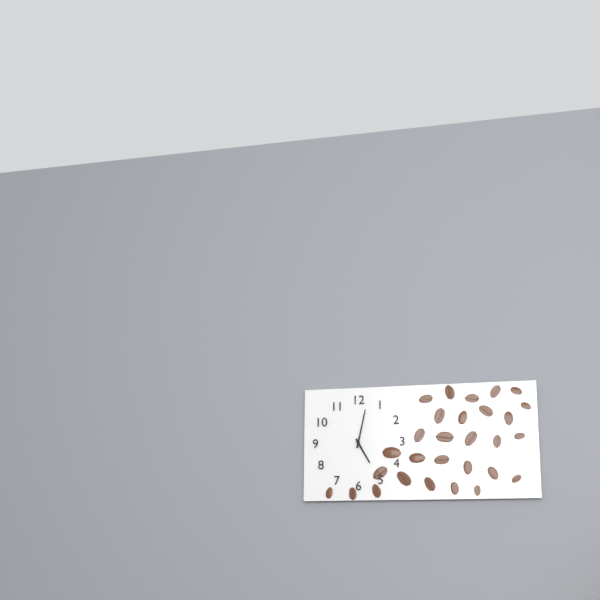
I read 5.02
